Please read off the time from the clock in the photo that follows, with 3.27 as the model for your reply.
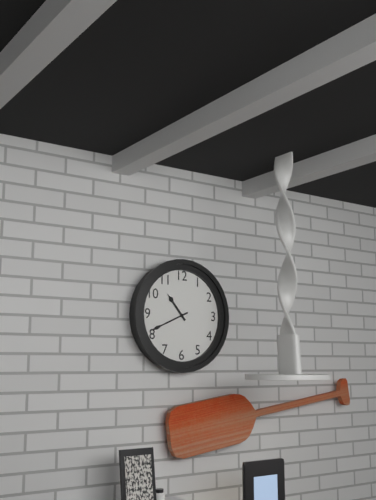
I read 10.41
